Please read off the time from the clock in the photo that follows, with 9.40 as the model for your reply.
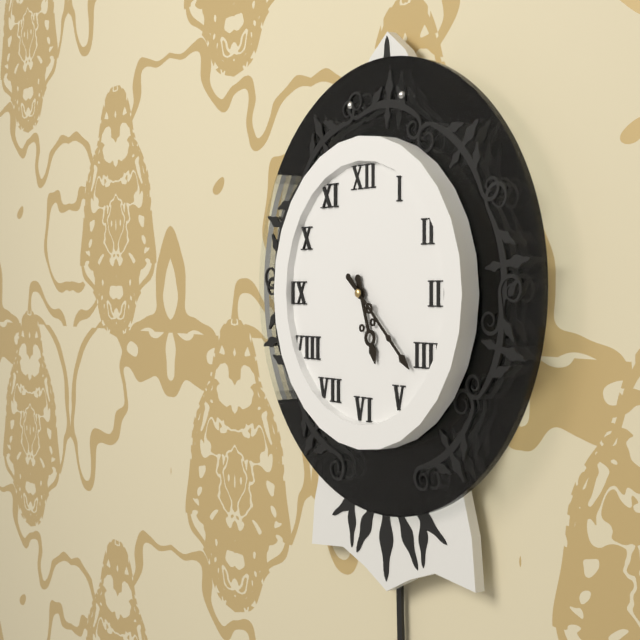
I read 5.22
